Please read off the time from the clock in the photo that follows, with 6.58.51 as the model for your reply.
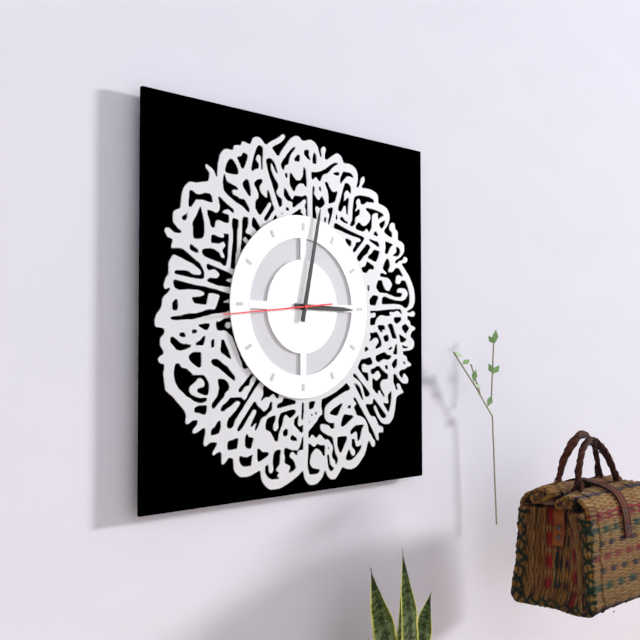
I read 3.02.44
